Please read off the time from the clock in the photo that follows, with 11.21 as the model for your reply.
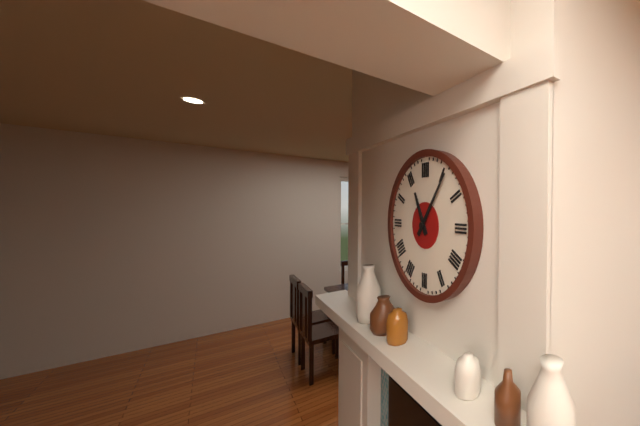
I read 11.06
